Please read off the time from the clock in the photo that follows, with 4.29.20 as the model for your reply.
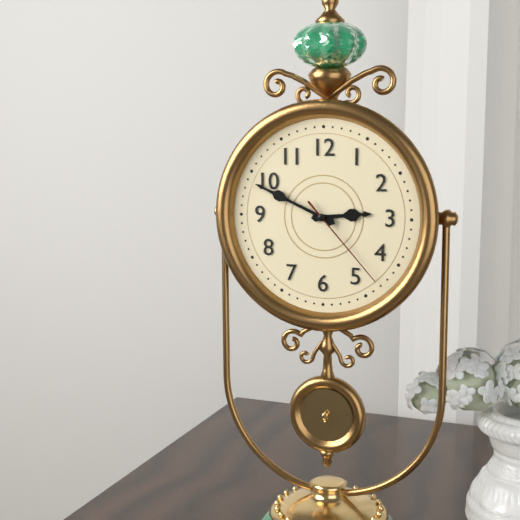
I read 2.49.23
